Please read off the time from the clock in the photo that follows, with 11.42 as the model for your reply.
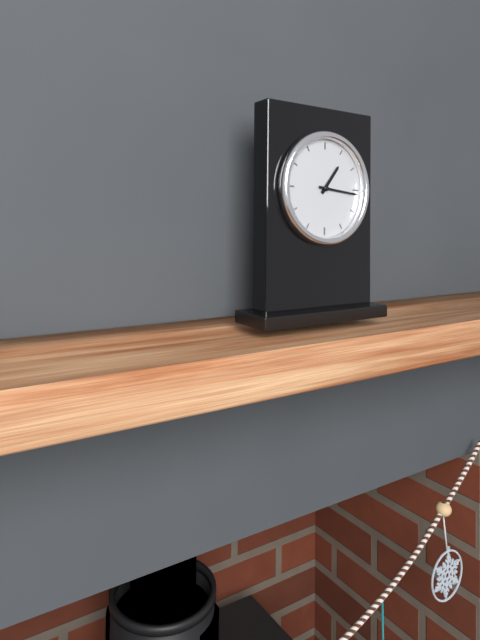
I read 1.16
